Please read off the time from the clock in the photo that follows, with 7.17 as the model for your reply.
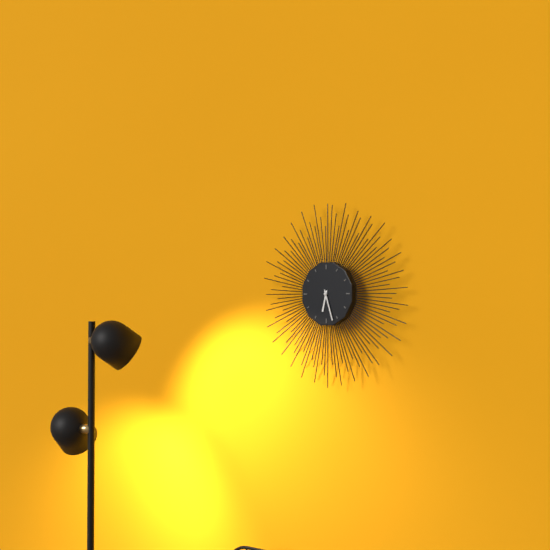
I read 6.27
